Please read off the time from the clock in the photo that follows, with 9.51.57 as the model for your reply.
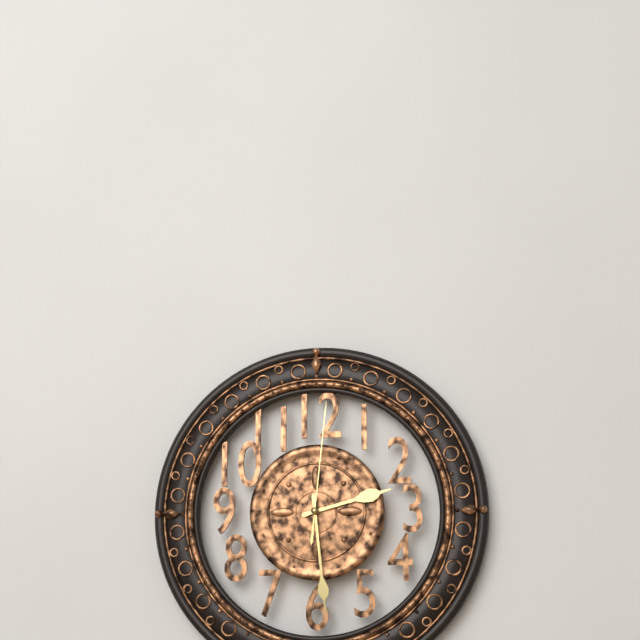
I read 2.29.01
